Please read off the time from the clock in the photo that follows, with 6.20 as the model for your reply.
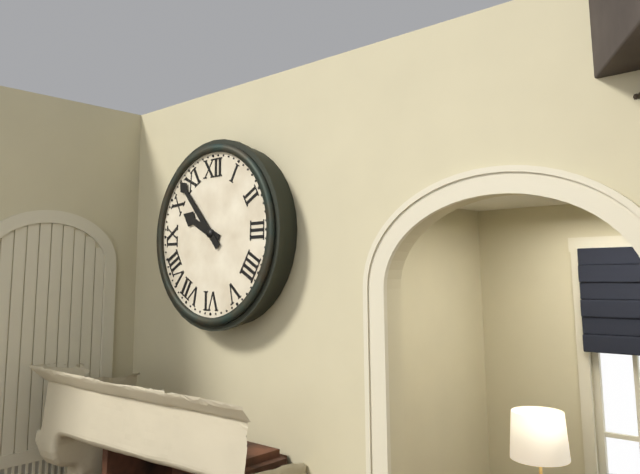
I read 9.53
